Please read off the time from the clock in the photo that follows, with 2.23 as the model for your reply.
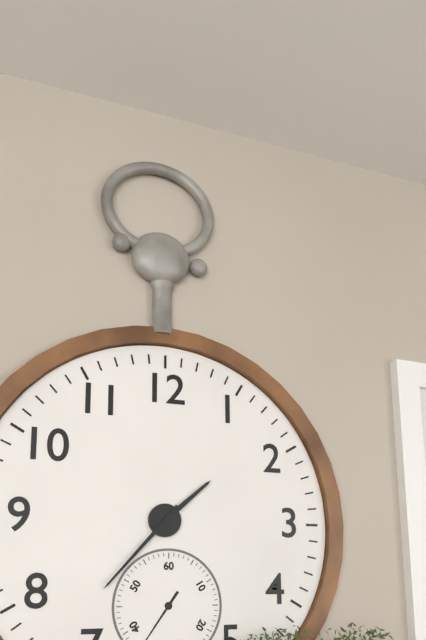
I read 1.37
